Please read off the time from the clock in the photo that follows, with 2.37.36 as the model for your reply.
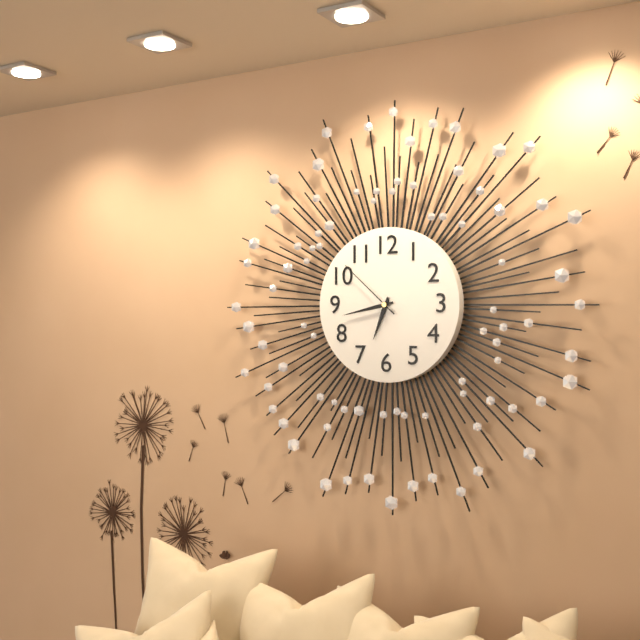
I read 6.43.52
